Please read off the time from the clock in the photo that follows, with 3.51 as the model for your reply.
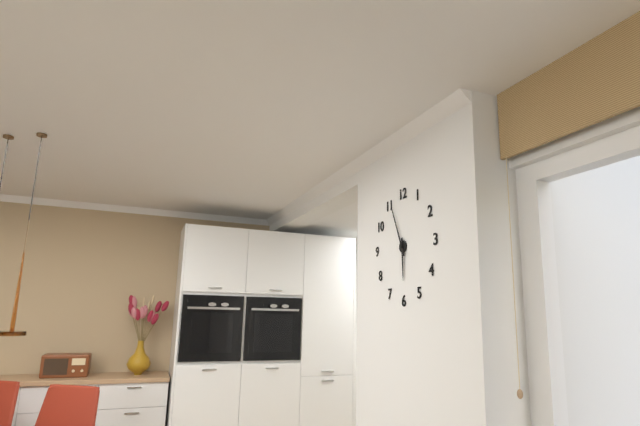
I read 5.56
